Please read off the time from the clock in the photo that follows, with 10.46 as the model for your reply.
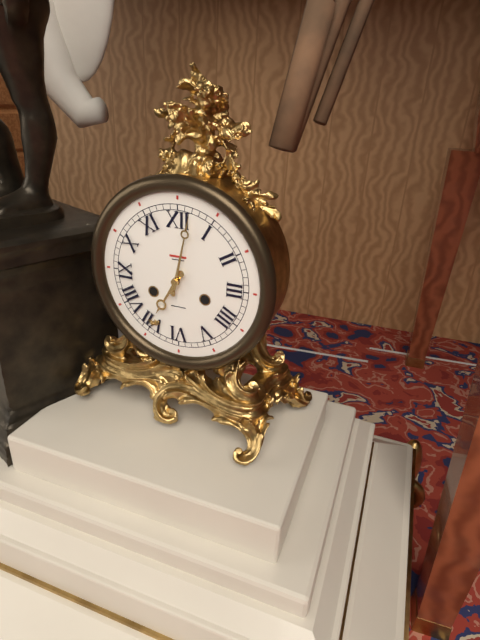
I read 7.02
